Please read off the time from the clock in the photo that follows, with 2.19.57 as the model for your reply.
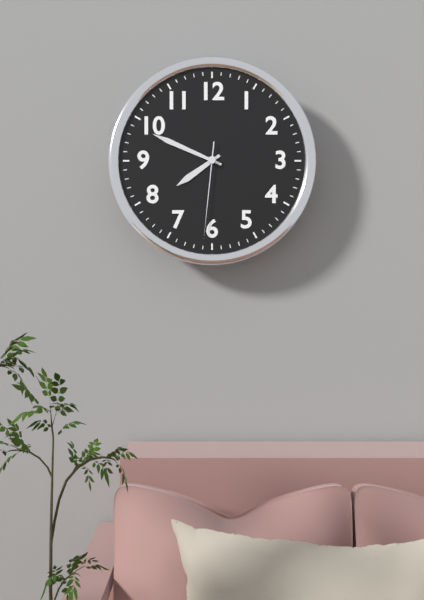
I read 7.49.31
